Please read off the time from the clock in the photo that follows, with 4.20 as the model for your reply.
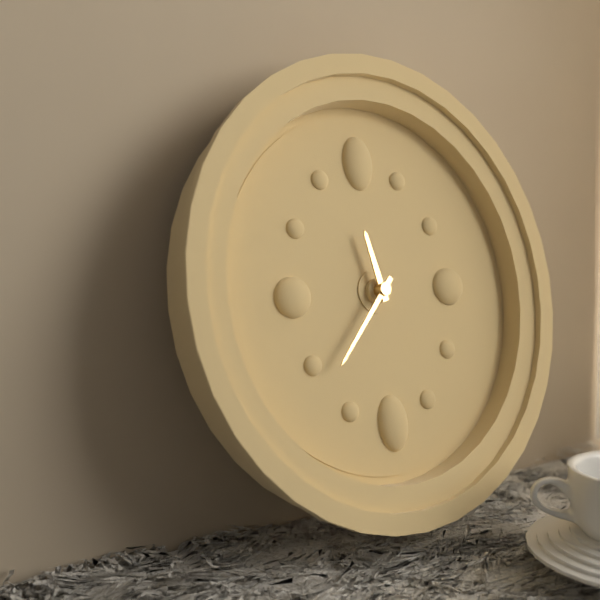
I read 11.37
